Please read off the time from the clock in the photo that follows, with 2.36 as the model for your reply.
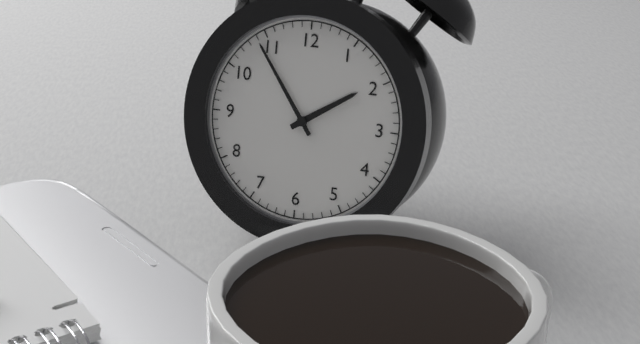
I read 1.54
